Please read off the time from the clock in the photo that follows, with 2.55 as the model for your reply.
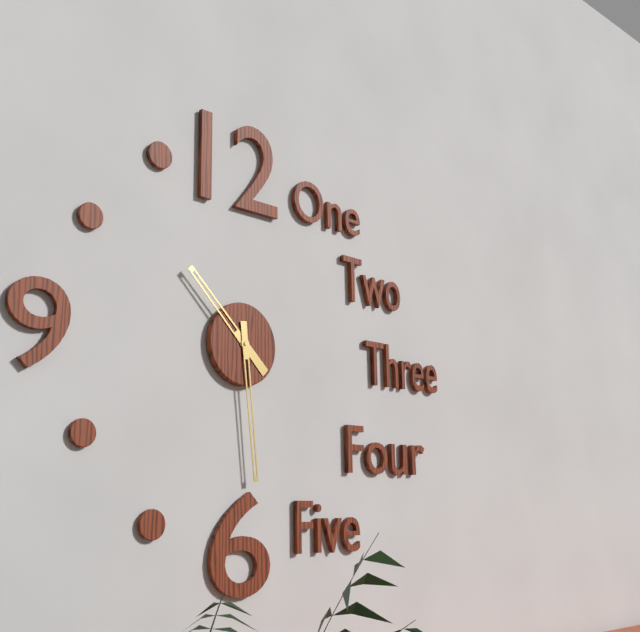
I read 10.29
